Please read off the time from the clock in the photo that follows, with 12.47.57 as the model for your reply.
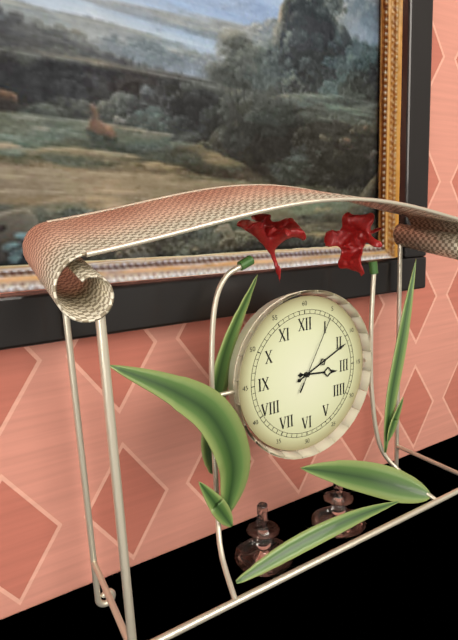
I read 3.11.05
